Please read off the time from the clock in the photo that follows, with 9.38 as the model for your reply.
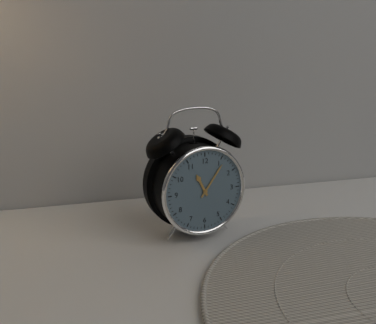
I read 11.06
